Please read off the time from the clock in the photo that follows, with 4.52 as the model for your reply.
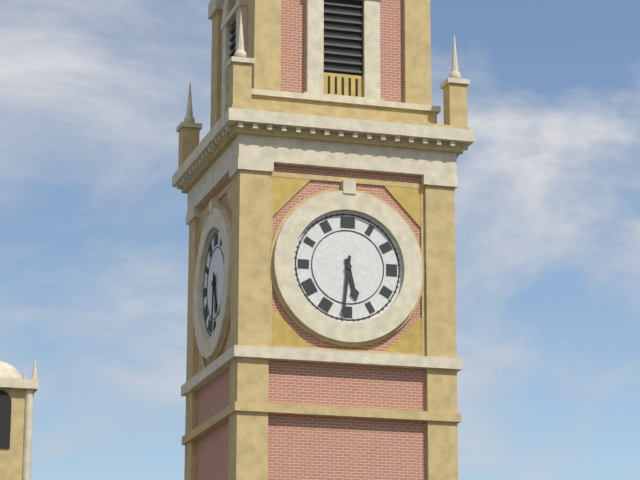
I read 5.31
